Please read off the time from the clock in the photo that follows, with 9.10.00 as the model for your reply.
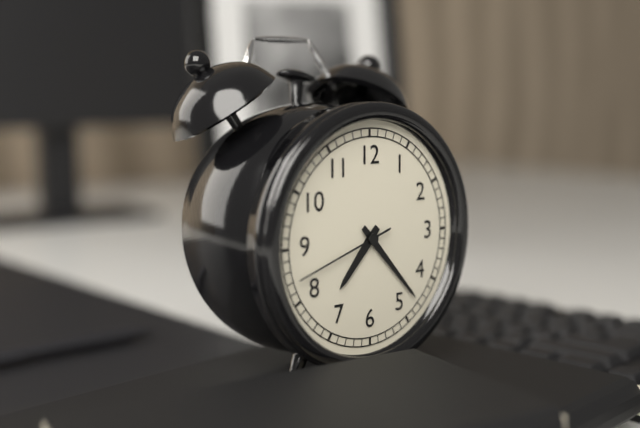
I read 7.23.42
